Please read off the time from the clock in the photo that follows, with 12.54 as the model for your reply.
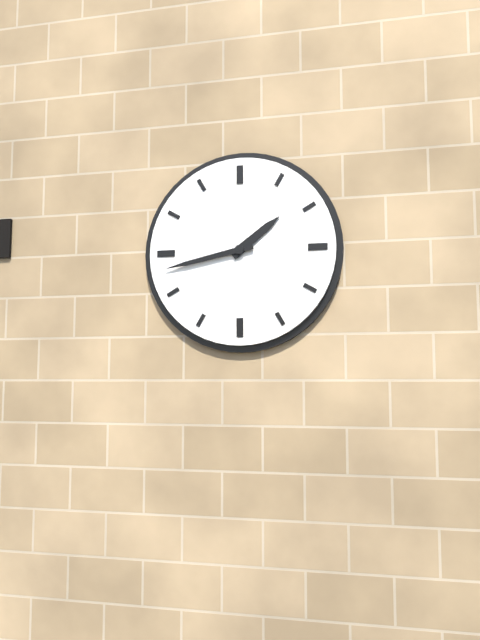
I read 1.43
